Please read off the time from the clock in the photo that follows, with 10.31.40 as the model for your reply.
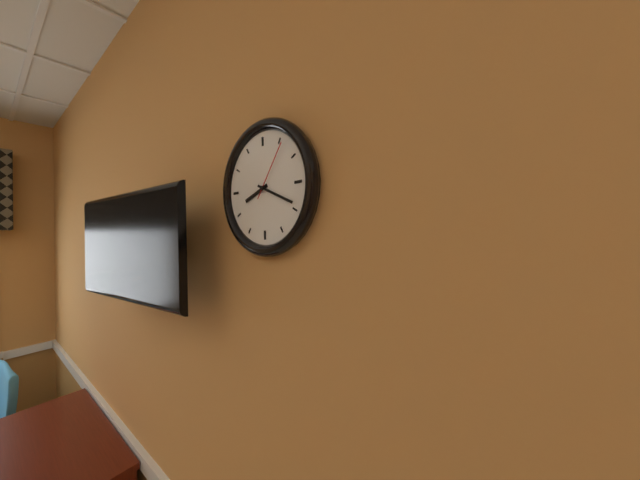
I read 8.19.06
